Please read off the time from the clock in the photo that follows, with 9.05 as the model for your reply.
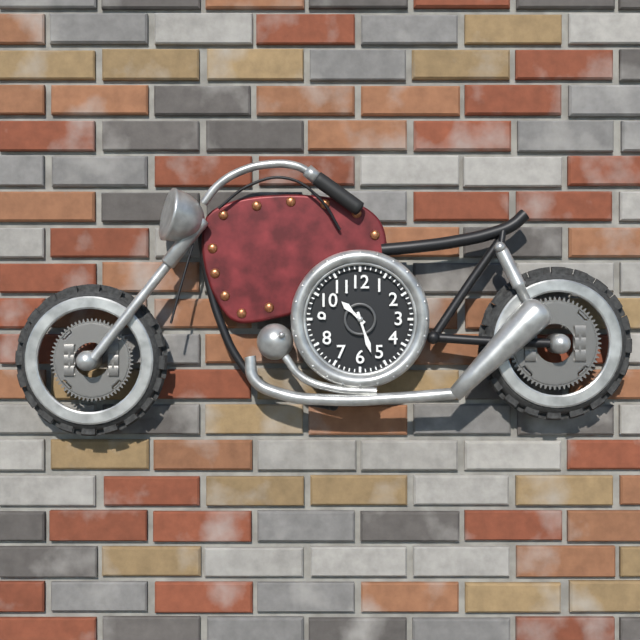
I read 10.27
